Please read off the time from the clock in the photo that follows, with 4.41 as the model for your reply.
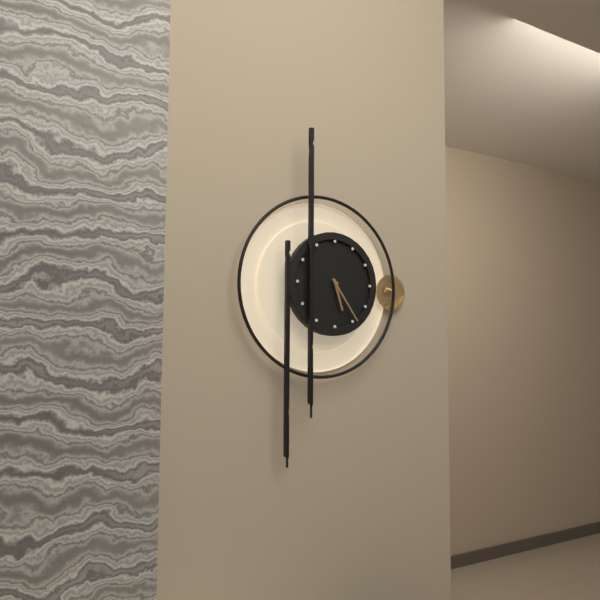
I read 5.24
